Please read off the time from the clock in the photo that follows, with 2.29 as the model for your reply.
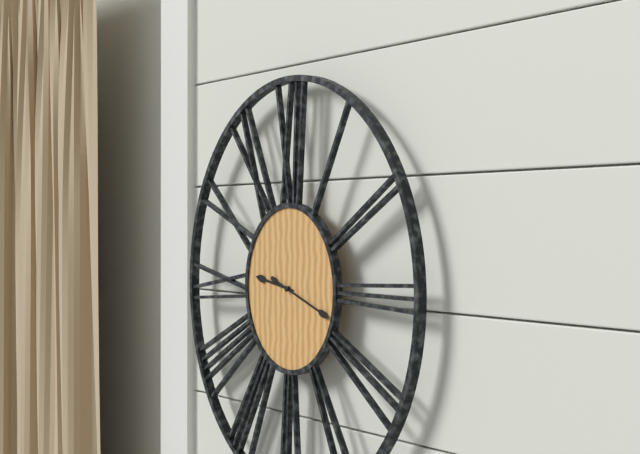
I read 9.18
